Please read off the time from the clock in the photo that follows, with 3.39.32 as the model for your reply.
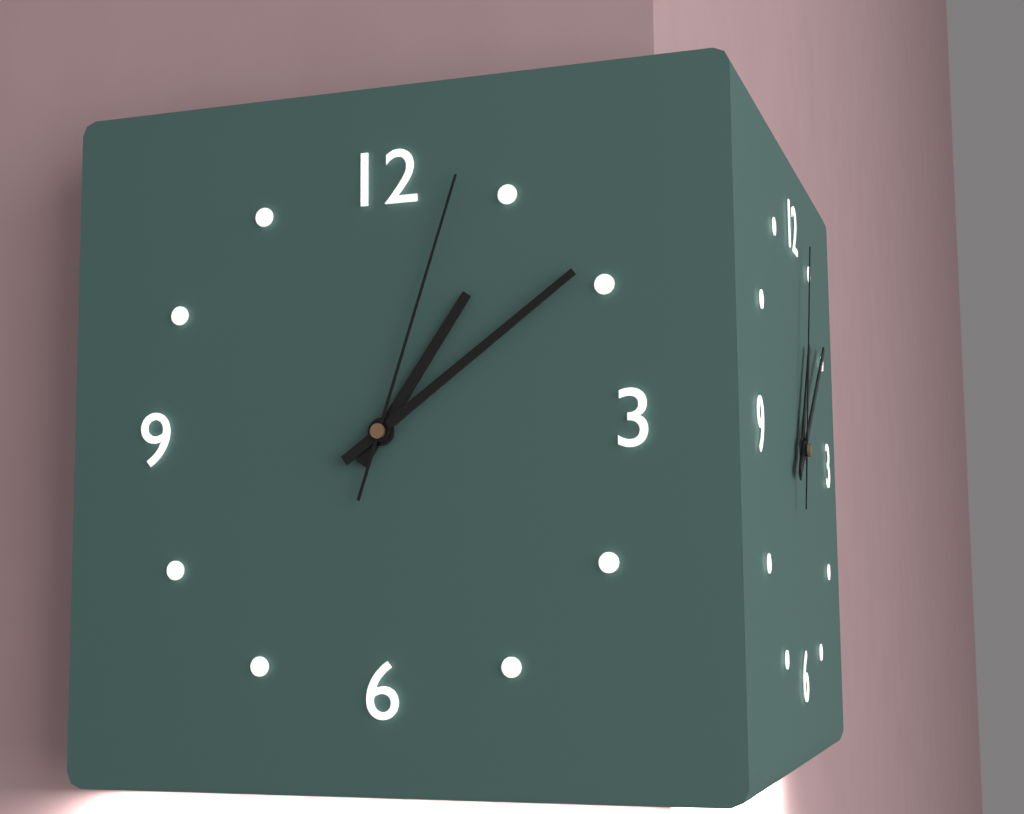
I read 1.09.03
